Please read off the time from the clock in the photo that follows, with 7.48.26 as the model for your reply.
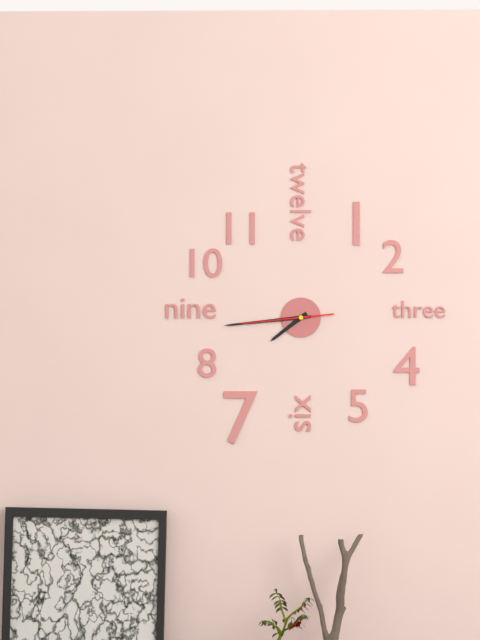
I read 7.44.44
